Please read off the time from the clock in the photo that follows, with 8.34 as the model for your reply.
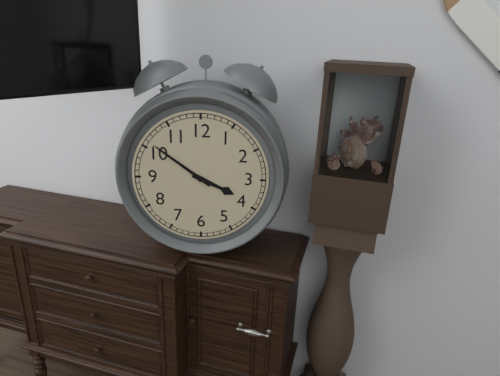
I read 3.51
